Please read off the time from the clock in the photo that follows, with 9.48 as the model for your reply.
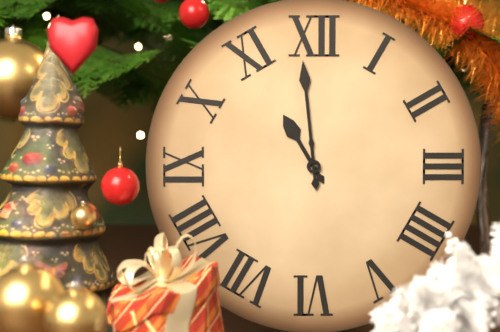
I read 10.59
